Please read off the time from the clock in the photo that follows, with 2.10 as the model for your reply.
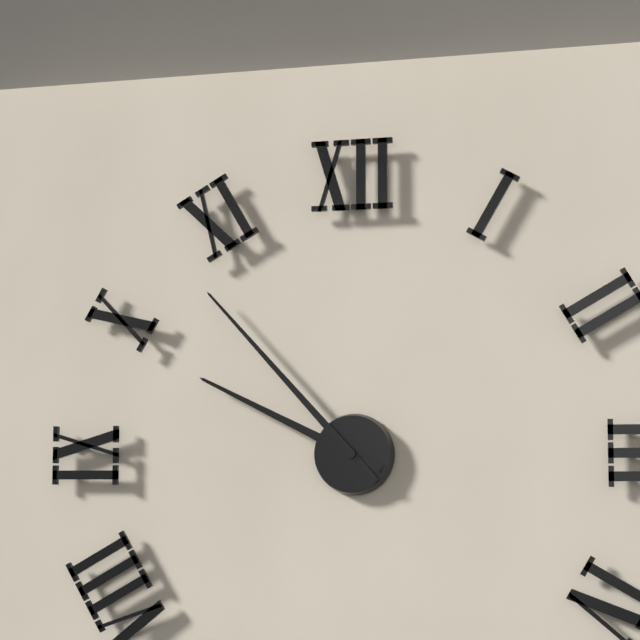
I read 9.53
